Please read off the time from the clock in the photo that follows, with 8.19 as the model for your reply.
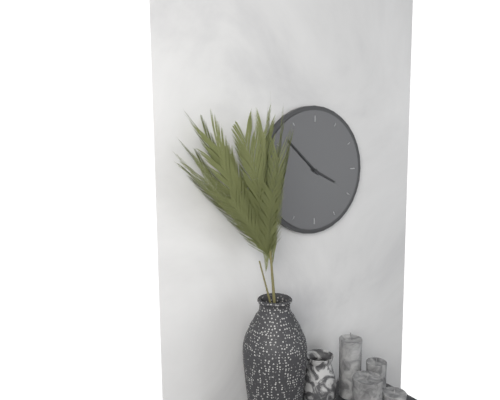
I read 3.52
